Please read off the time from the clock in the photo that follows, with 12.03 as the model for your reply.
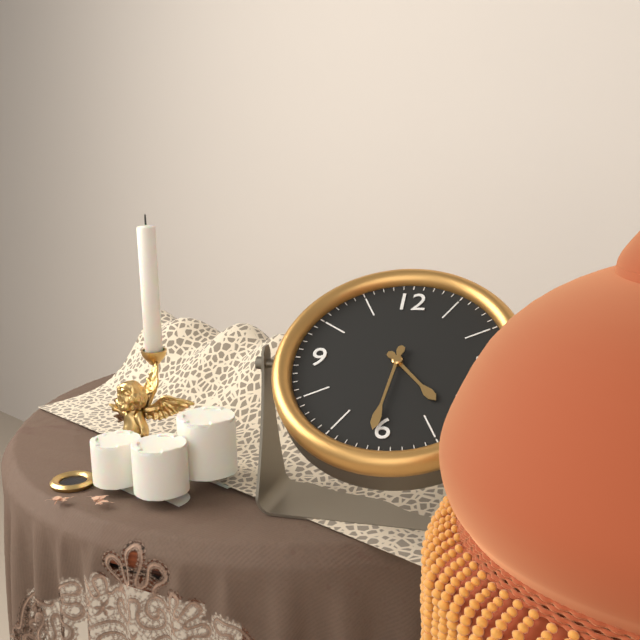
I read 4.31
